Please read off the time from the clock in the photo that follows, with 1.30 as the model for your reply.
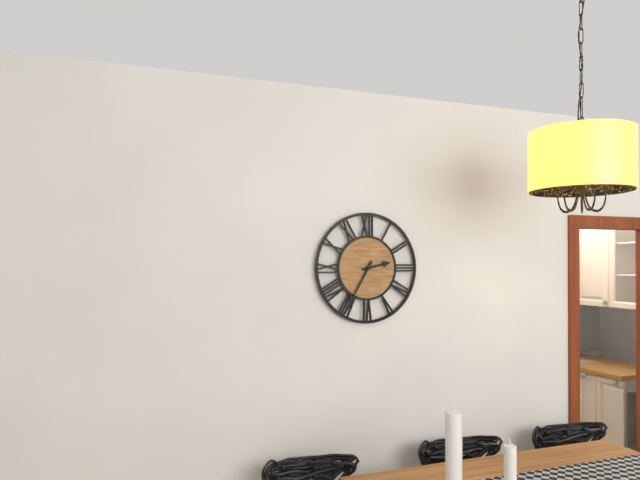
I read 2.35
